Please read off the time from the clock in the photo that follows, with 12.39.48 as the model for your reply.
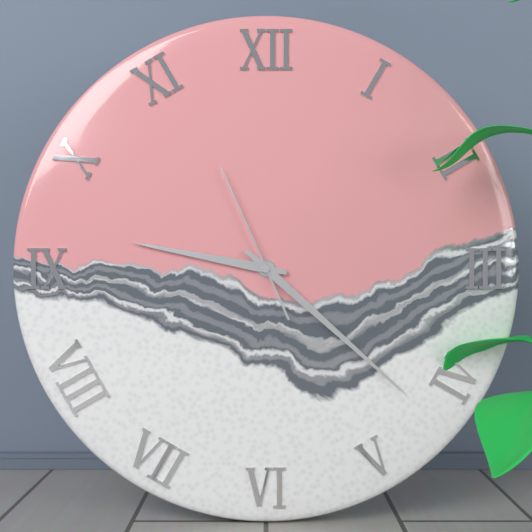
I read 9.22.56
